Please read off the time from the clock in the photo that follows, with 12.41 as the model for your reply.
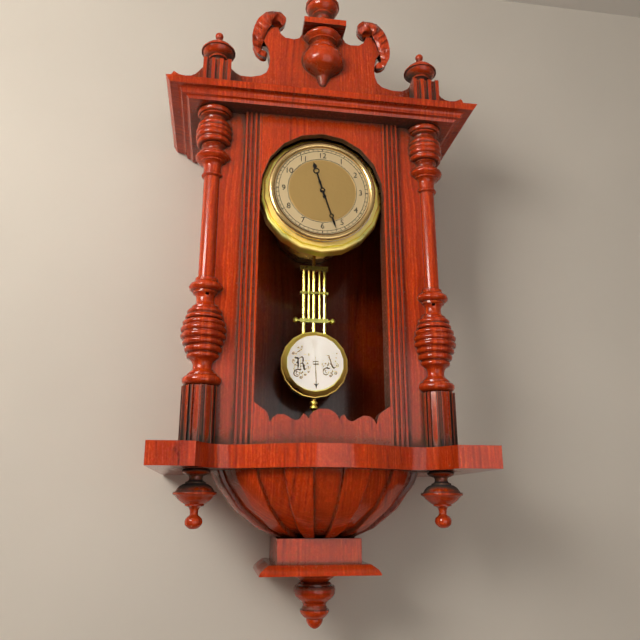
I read 11.27
